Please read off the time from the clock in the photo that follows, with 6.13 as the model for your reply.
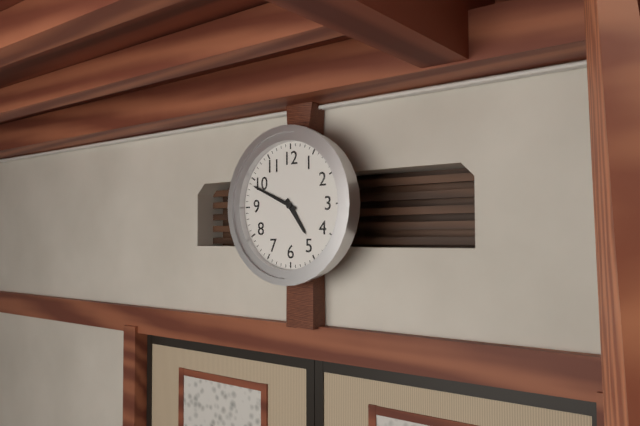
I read 4.49
